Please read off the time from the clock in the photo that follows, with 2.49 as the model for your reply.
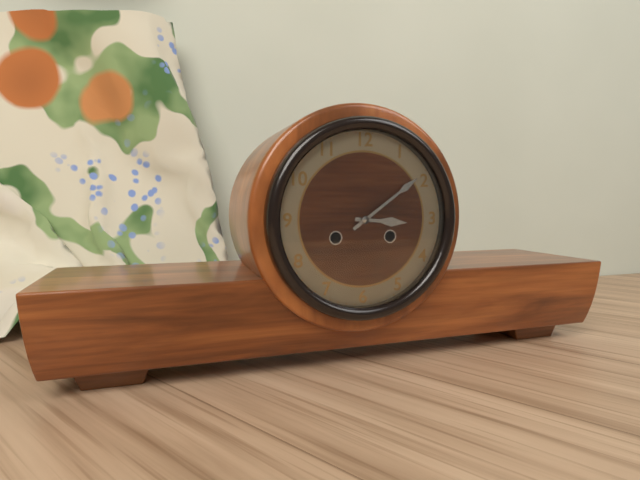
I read 3.09
